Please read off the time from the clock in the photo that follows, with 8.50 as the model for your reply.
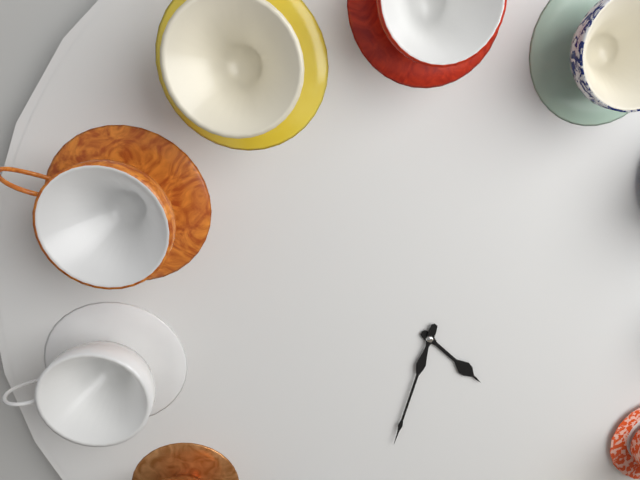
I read 4.33
